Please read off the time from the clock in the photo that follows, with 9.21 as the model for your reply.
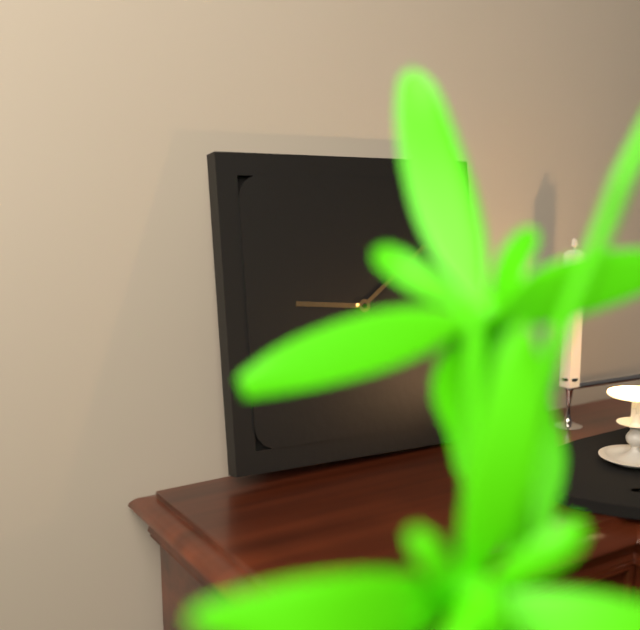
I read 9.09
